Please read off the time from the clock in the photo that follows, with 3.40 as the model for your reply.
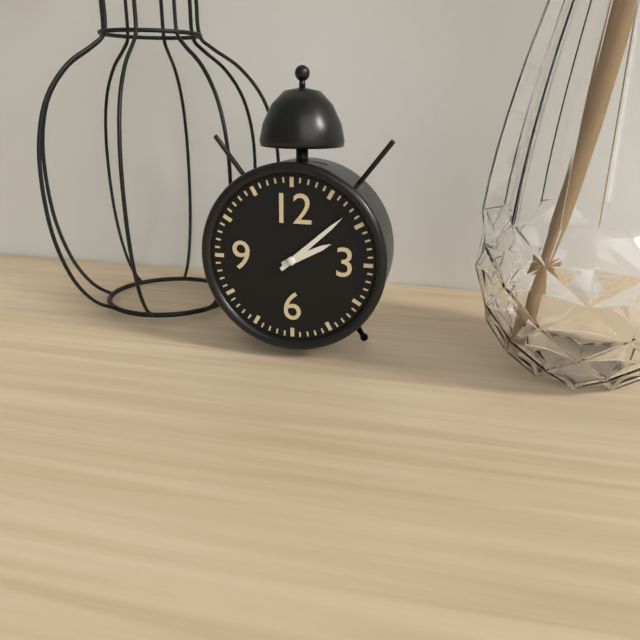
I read 2.08
